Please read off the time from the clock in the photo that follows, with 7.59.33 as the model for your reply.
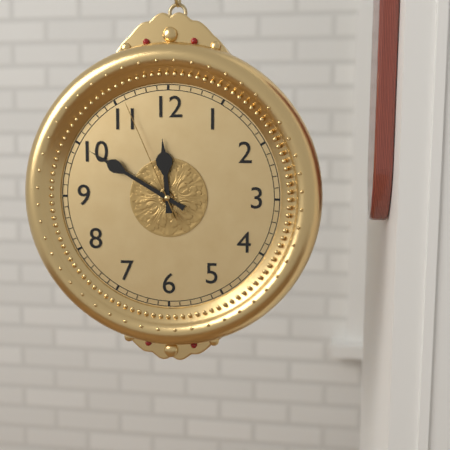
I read 11.50.56
